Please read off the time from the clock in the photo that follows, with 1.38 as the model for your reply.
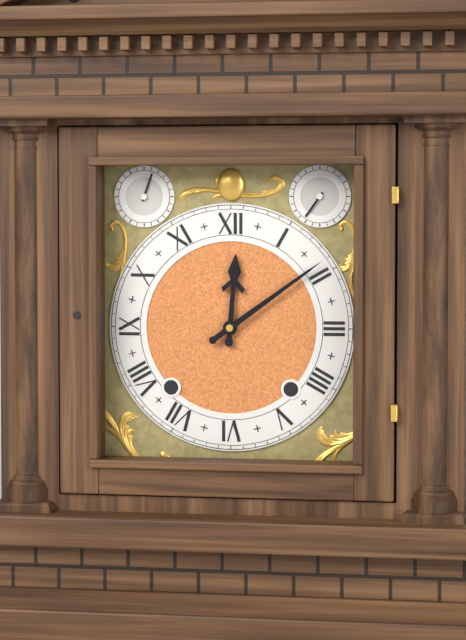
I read 12.09
